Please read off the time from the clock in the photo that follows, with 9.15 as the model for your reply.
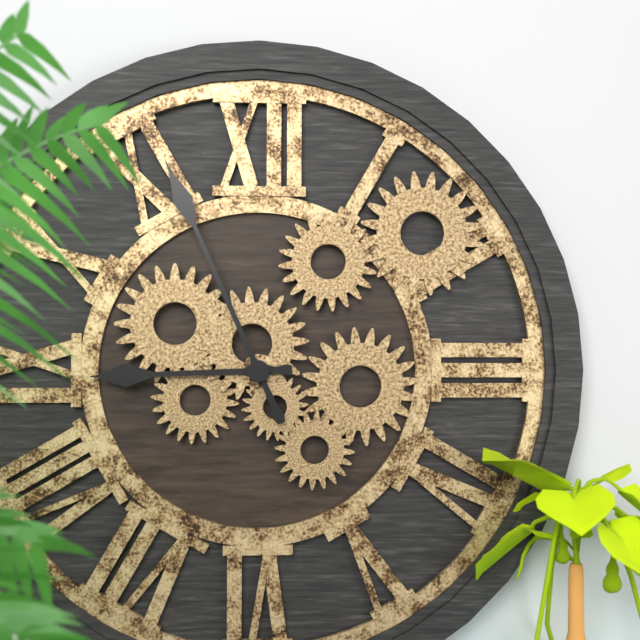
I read 8.56
